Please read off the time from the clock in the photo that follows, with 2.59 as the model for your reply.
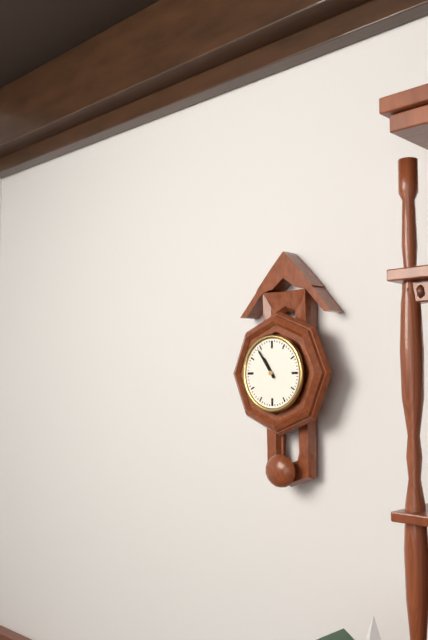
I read 10.54
